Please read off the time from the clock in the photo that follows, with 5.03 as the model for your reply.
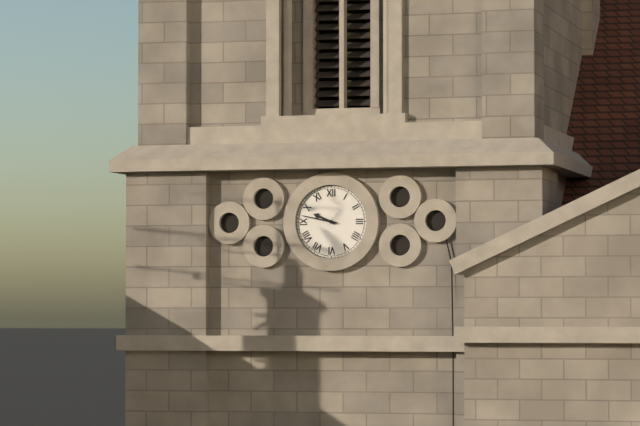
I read 9.47
